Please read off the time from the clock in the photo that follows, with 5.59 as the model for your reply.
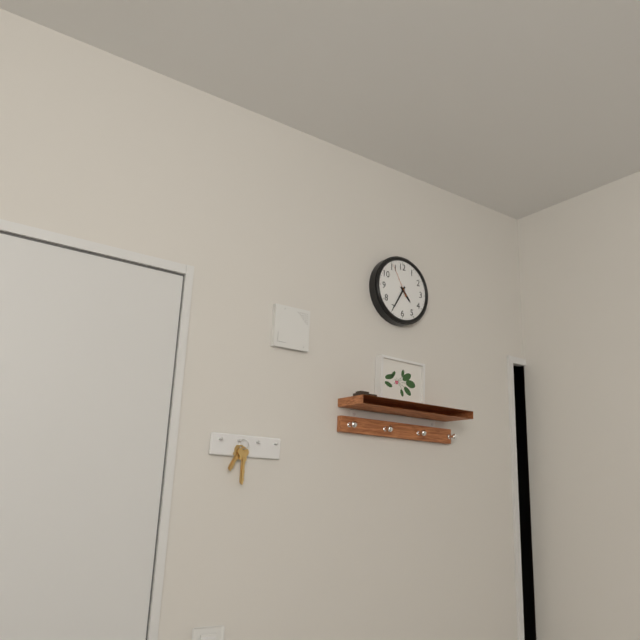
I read 4.35
